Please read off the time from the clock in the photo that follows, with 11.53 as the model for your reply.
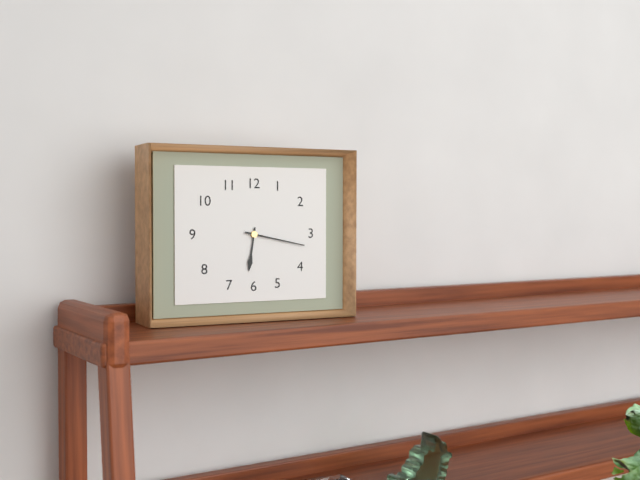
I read 6.17
